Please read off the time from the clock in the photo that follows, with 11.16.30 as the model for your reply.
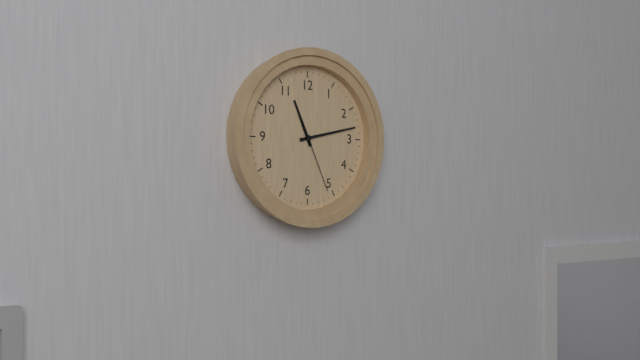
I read 11.13.26
